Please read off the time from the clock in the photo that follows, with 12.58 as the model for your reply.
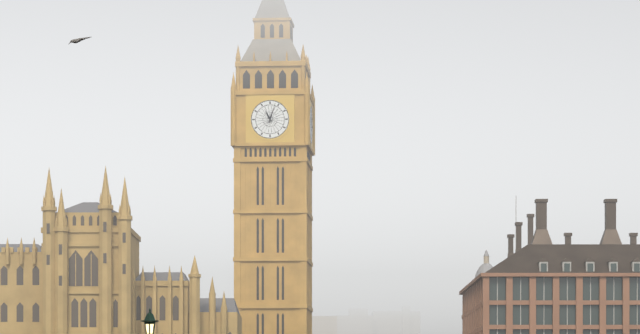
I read 11.03
